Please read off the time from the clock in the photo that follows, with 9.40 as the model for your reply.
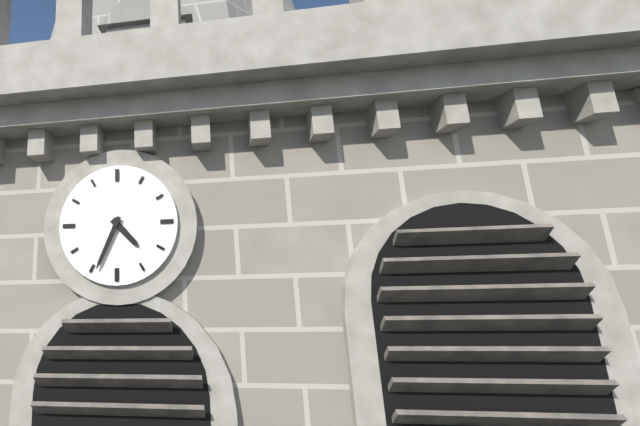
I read 4.34
